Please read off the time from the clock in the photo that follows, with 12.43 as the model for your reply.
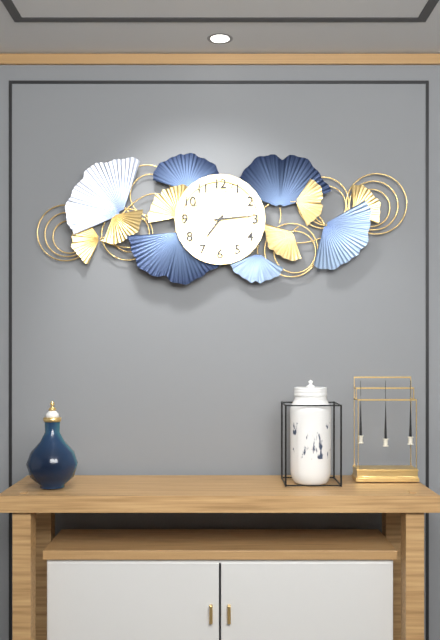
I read 7.14
